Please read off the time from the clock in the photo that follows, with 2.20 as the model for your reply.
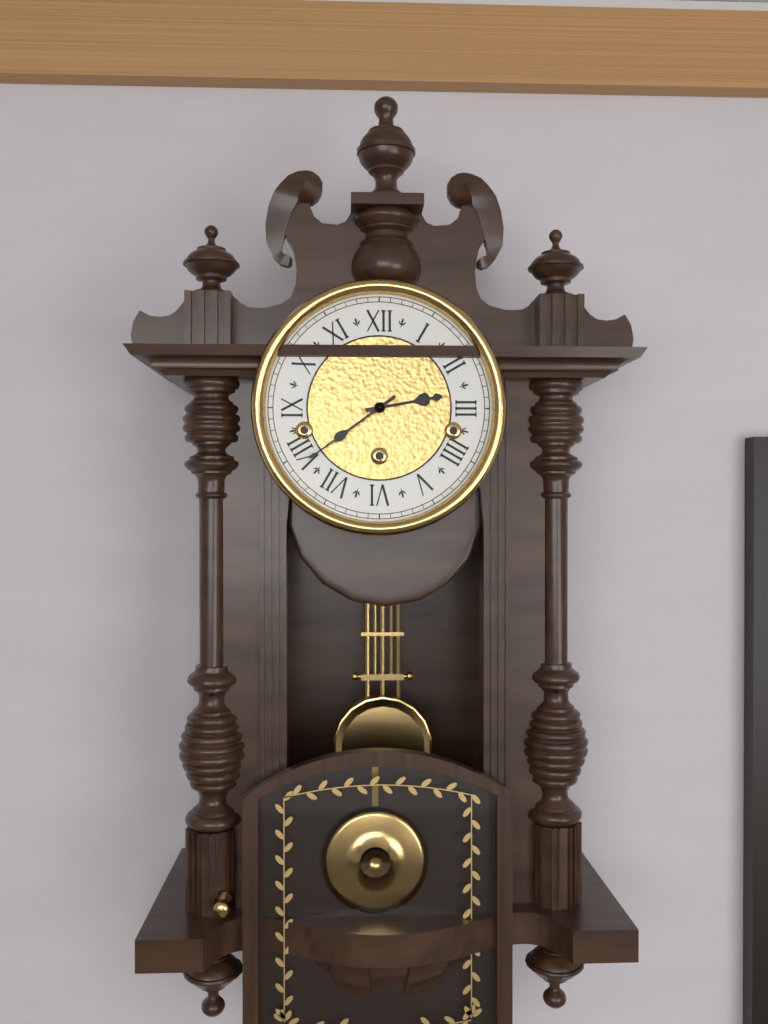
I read 2.39
